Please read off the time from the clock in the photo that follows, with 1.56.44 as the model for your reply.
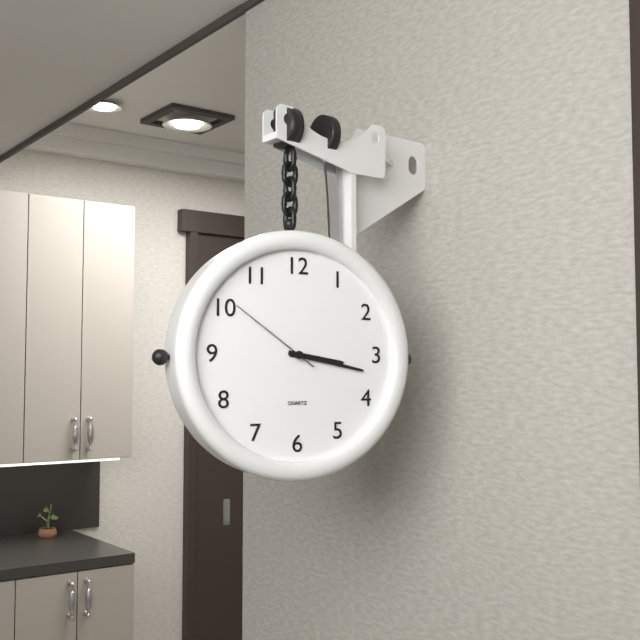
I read 3.17.51
